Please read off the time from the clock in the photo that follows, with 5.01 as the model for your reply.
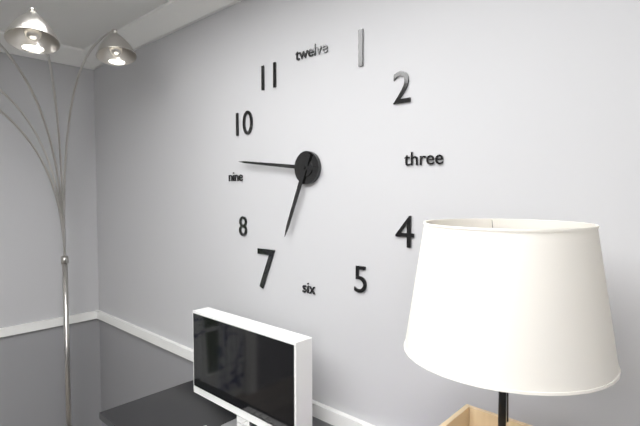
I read 6.46
